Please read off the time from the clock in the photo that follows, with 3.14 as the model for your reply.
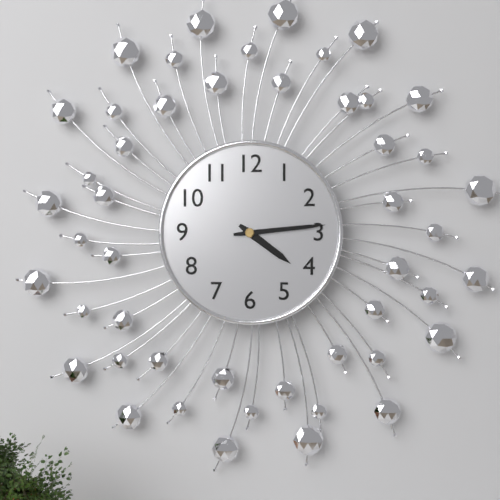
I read 4.14
